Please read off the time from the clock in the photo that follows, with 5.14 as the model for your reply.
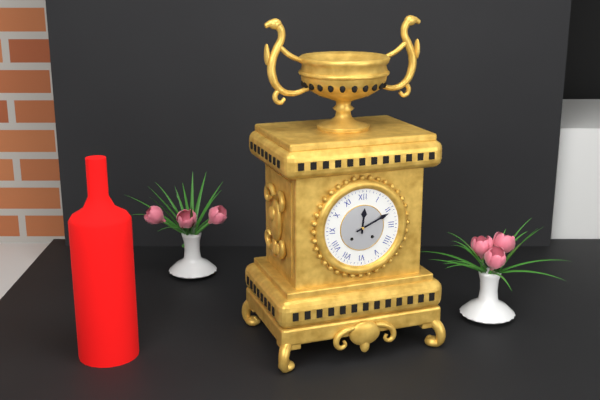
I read 12.11
